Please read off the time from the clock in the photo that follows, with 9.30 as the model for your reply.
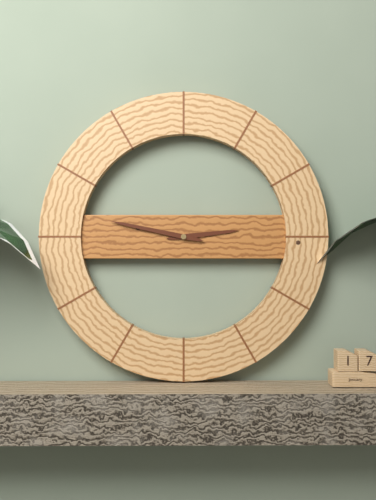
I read 2.47
